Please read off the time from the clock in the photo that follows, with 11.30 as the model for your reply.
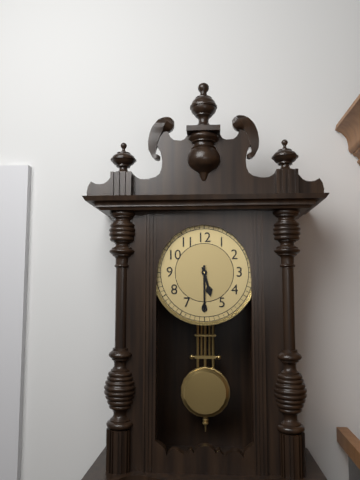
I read 5.30
